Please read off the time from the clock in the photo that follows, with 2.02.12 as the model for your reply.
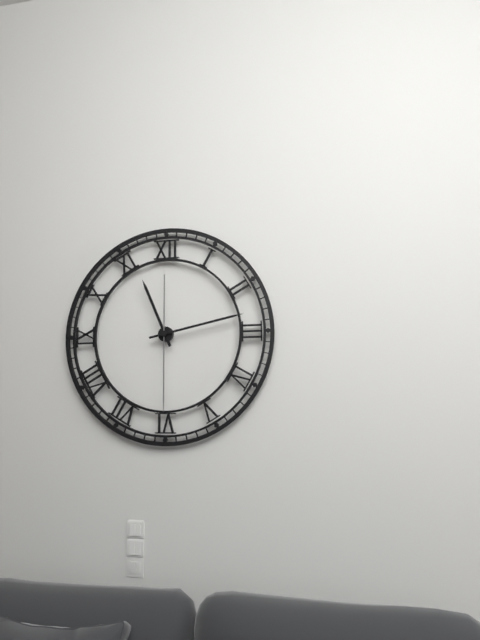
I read 11.13.30
